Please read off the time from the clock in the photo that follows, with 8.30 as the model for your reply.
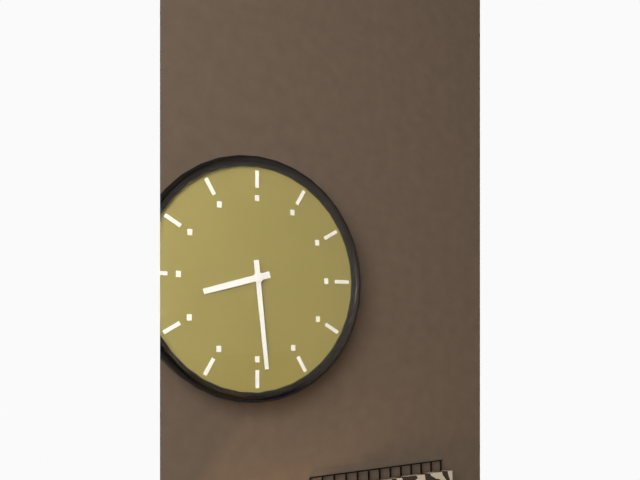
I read 8.29
